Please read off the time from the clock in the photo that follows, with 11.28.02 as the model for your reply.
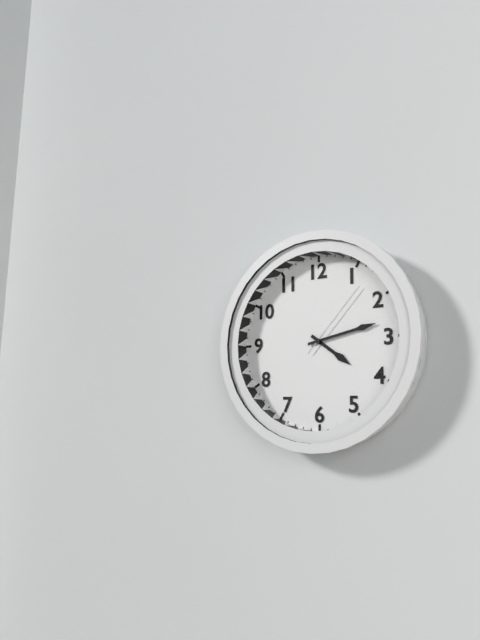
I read 4.13.07
